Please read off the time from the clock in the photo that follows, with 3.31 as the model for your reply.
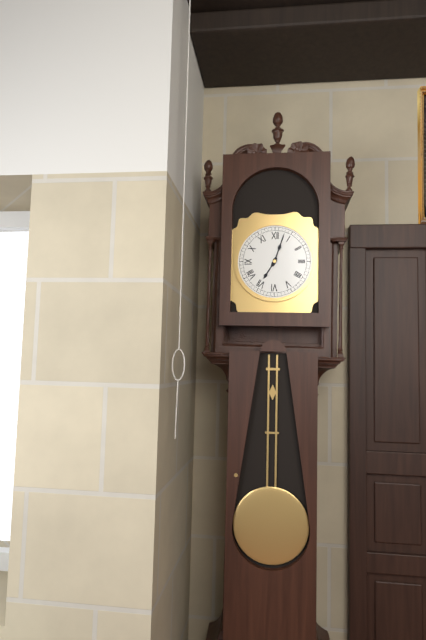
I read 7.03
